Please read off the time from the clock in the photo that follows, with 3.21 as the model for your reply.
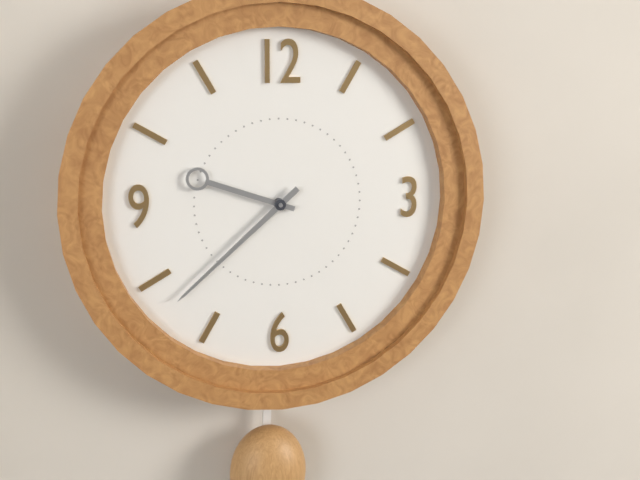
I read 9.38
